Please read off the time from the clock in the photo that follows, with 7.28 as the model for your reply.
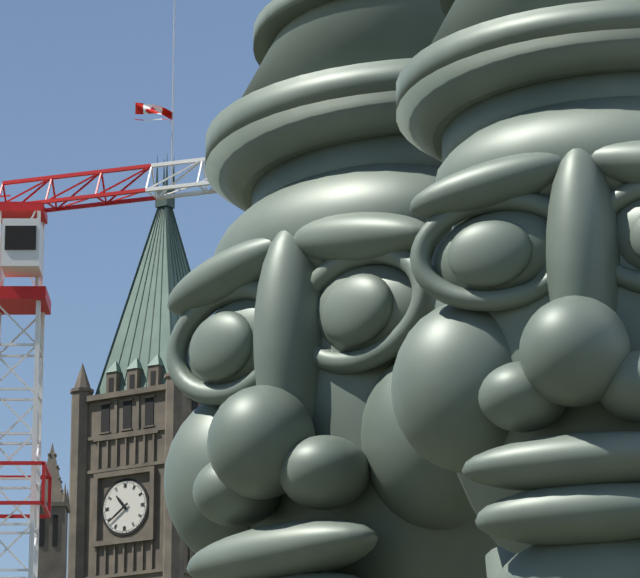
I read 10.39
